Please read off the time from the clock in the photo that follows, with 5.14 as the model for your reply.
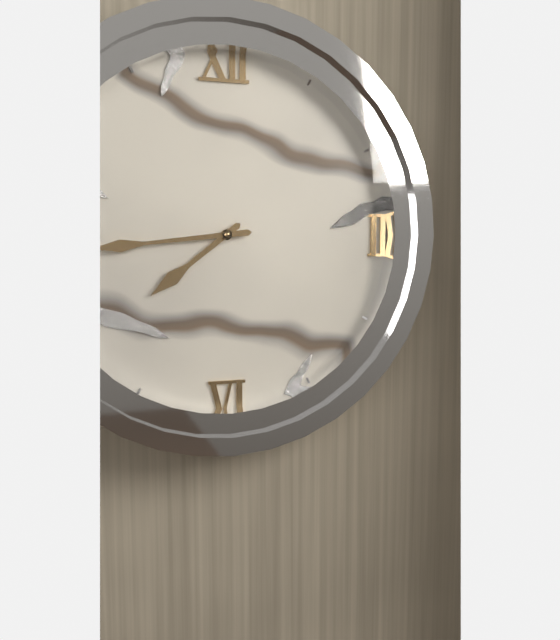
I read 7.44
